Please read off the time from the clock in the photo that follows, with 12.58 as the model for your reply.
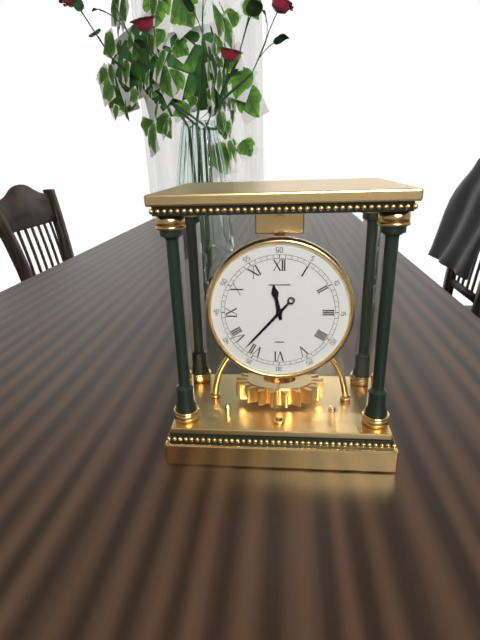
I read 11.37
